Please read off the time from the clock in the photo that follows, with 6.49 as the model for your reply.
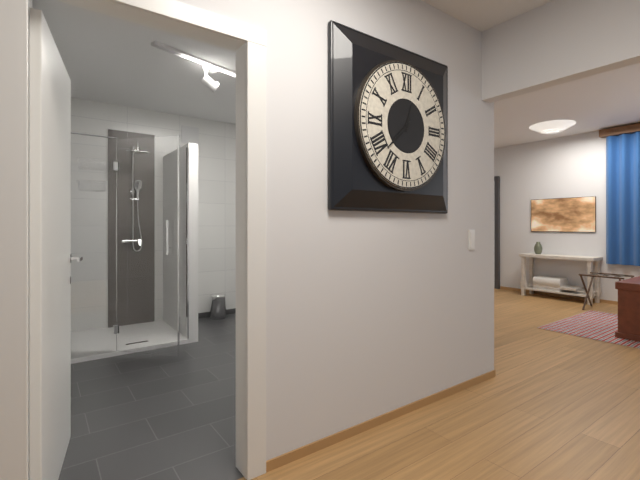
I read 12.38
